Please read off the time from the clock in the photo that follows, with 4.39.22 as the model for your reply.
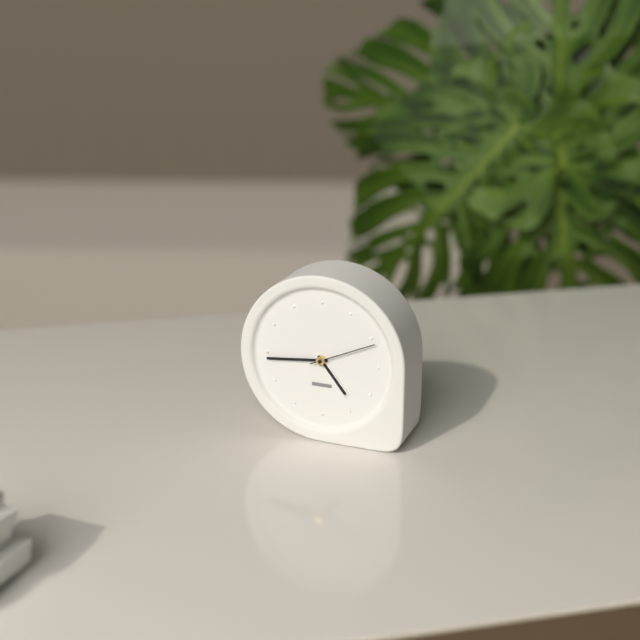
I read 4.44.11
